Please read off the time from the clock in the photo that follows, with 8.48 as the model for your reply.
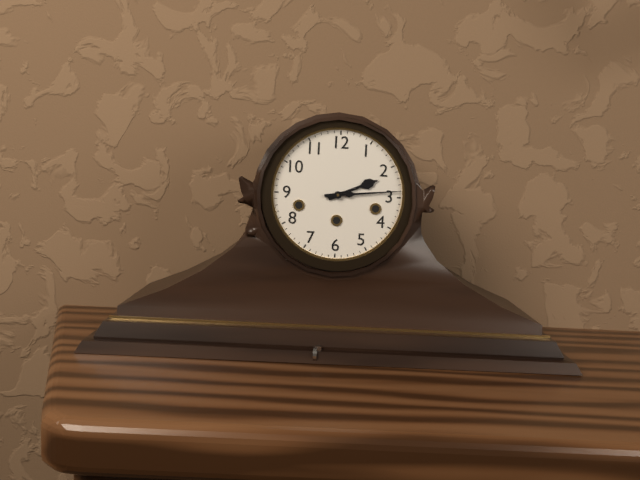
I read 2.14
